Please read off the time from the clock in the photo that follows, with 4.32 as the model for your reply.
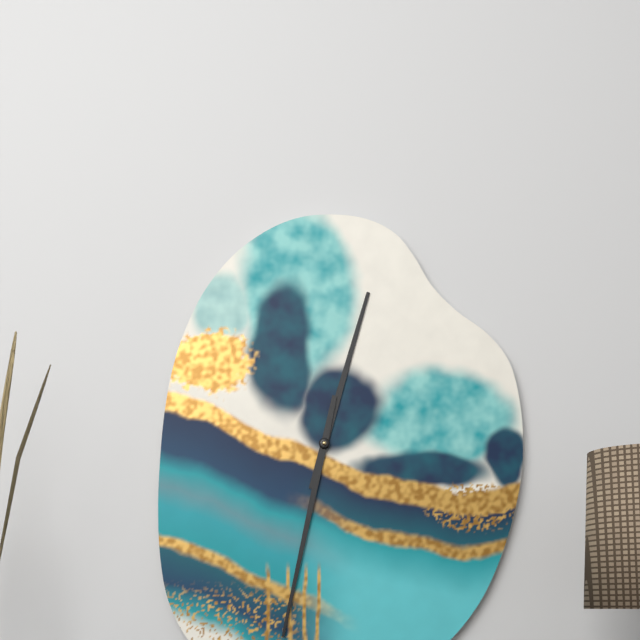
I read 12.32
